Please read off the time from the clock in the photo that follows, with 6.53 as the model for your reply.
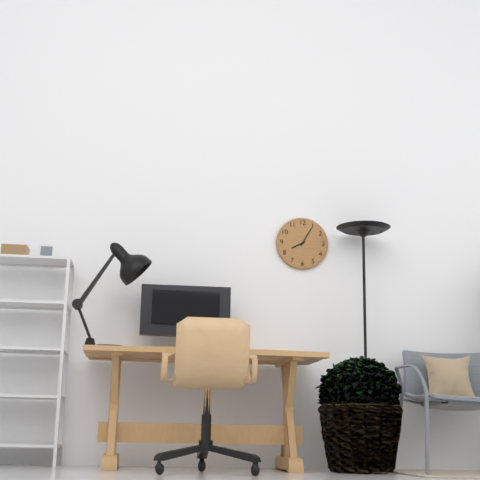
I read 8.05
